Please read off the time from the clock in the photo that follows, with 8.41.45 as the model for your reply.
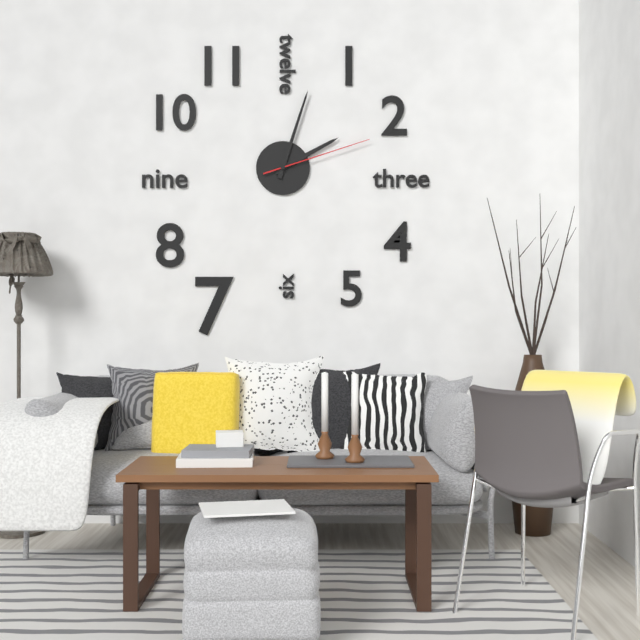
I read 2.03.12
